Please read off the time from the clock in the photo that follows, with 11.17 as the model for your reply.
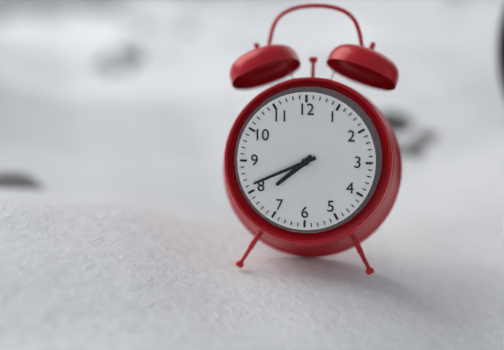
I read 7.41
